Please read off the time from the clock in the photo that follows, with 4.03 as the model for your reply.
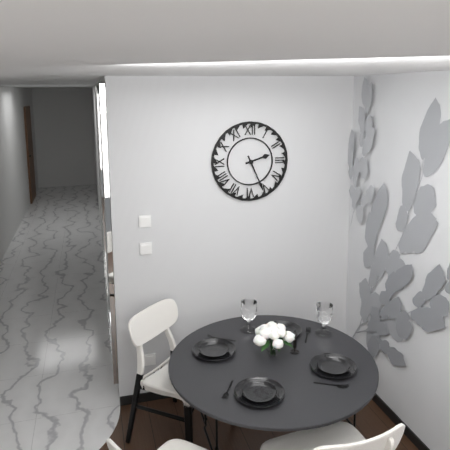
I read 2.26
